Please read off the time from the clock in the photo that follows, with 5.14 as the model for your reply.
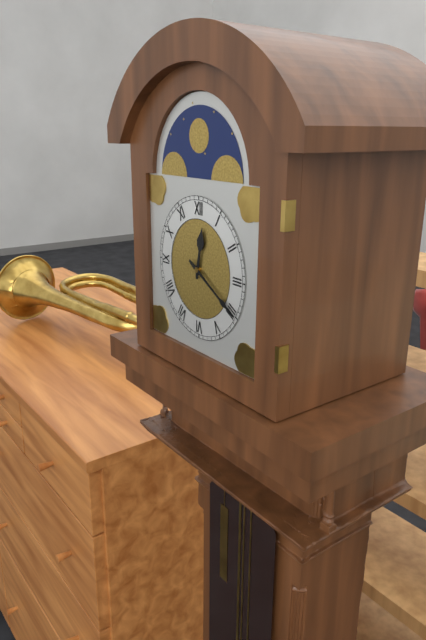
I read 12.20
